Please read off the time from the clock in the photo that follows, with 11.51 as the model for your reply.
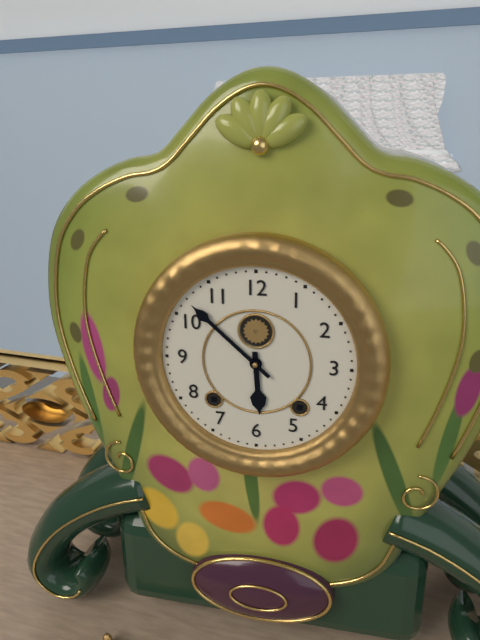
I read 5.52
